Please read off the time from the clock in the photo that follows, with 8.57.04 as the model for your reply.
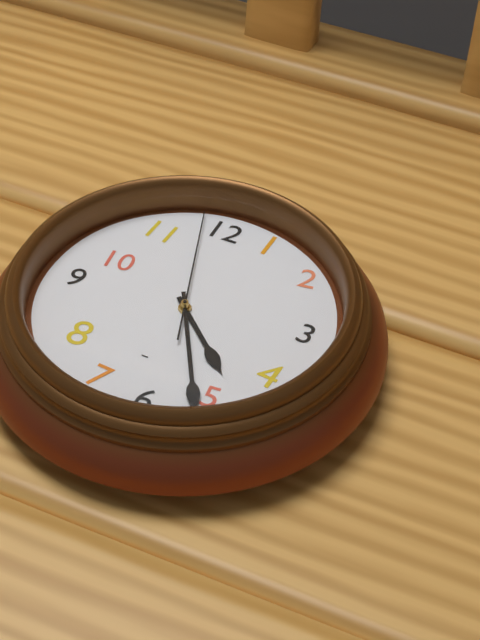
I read 4.25.57
